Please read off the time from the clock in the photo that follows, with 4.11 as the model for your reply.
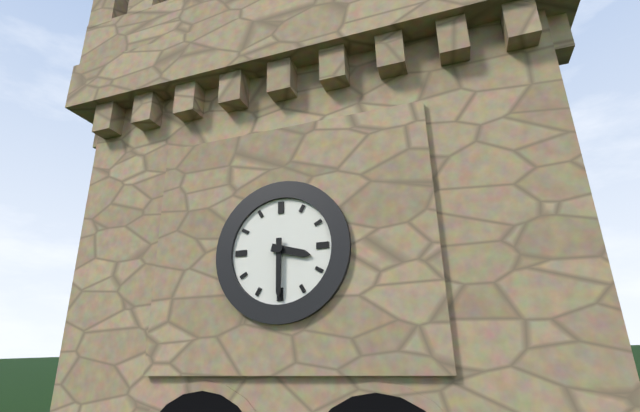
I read 3.30
